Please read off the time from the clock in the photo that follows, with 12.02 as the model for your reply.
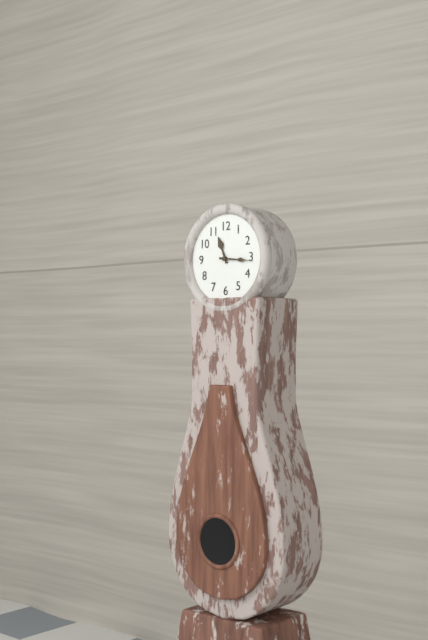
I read 11.16
